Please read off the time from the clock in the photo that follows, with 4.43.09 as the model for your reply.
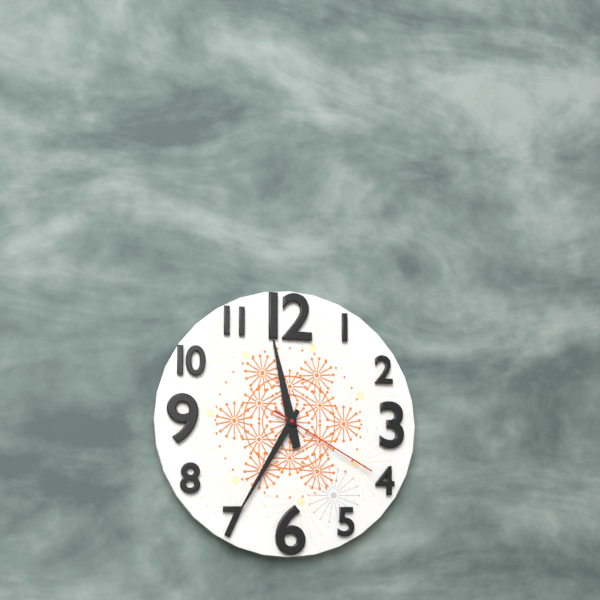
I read 11.35.20
